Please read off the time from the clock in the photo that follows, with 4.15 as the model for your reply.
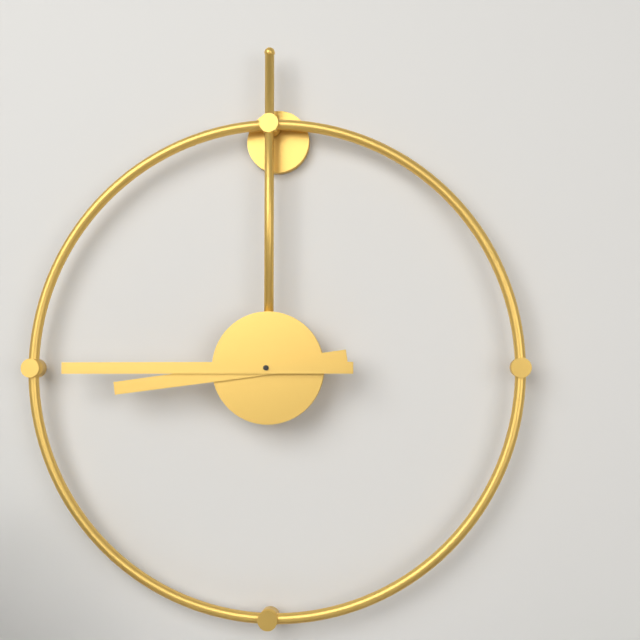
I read 8.45
